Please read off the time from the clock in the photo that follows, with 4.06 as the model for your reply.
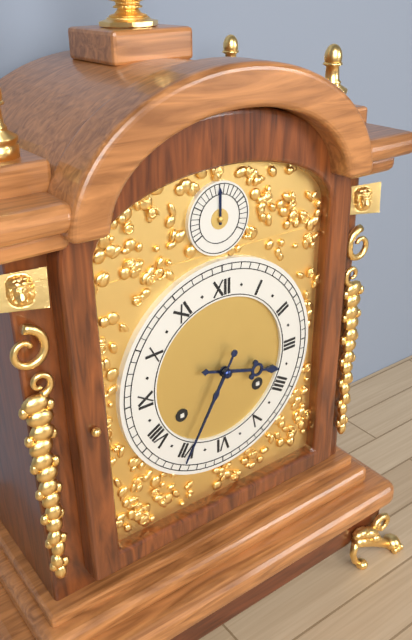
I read 3.35
